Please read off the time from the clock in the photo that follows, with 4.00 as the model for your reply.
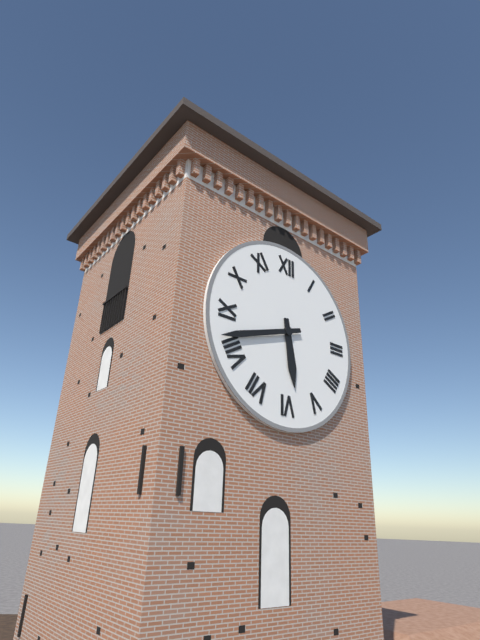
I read 5.42
